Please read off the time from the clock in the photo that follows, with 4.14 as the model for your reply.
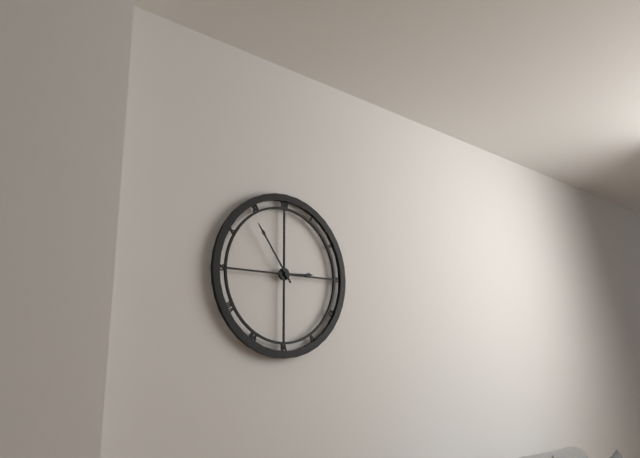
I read 2.54
